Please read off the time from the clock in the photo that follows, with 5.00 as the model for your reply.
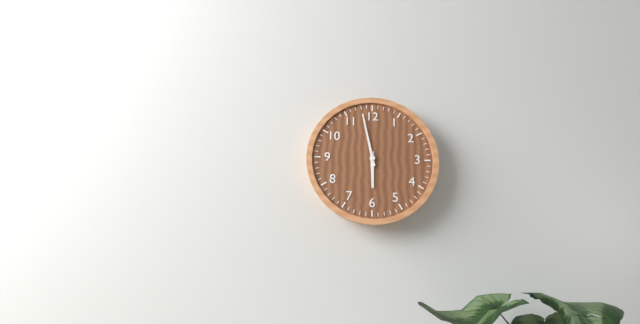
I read 5.58
